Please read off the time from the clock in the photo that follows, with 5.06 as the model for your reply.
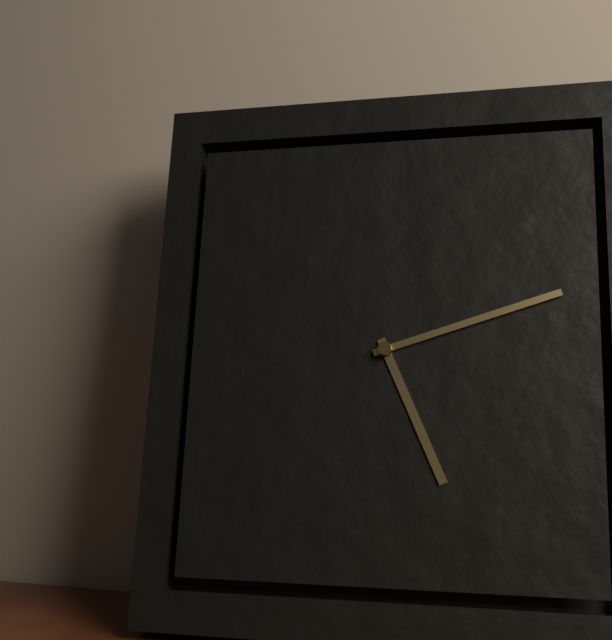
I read 5.12
